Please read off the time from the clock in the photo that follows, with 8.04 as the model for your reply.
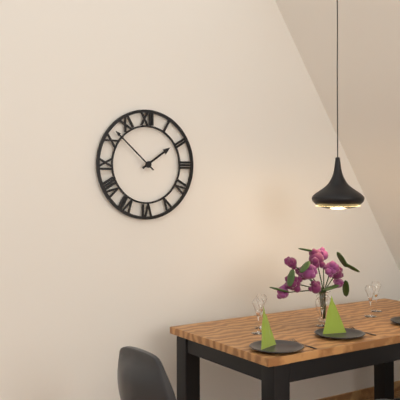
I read 1.52
